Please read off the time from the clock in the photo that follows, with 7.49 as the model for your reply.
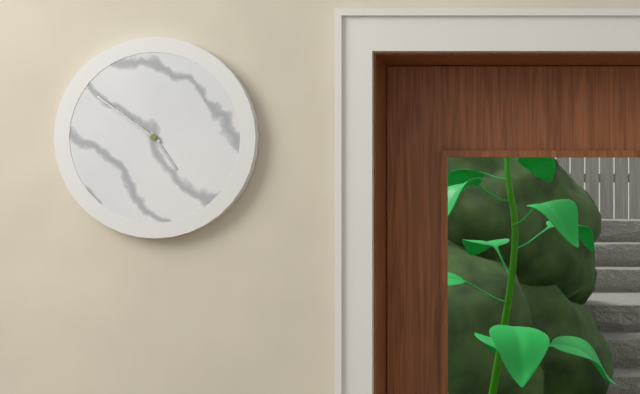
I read 4.51
